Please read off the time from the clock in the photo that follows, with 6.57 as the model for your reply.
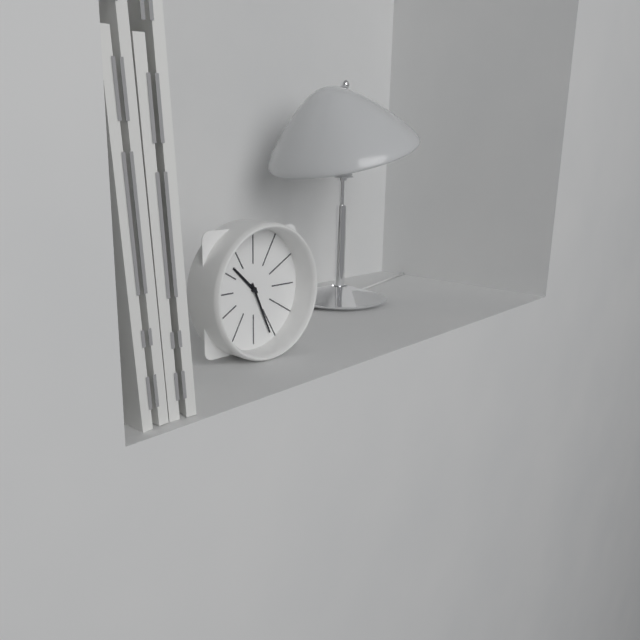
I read 10.26
